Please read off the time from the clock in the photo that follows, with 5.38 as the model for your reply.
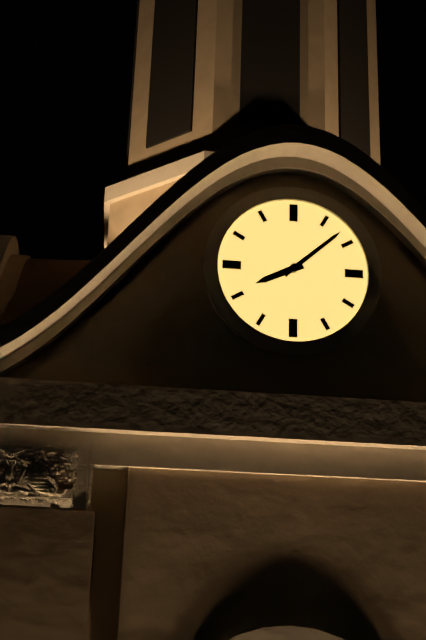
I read 8.08
